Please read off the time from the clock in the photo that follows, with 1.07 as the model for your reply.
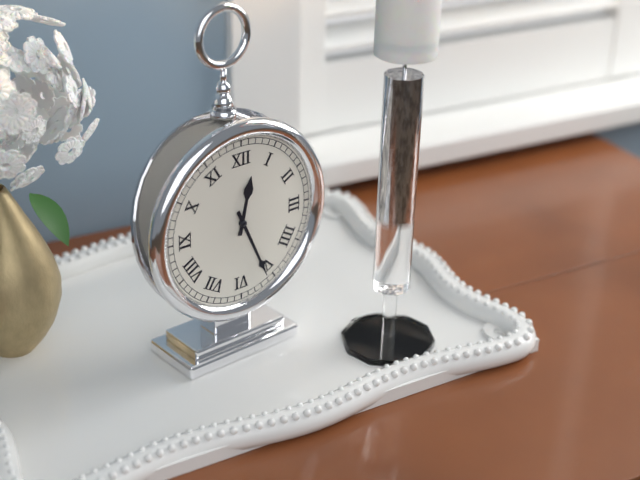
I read 12.26
